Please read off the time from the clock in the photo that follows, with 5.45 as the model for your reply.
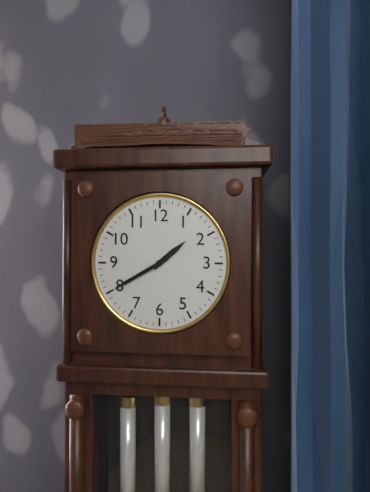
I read 1.40
